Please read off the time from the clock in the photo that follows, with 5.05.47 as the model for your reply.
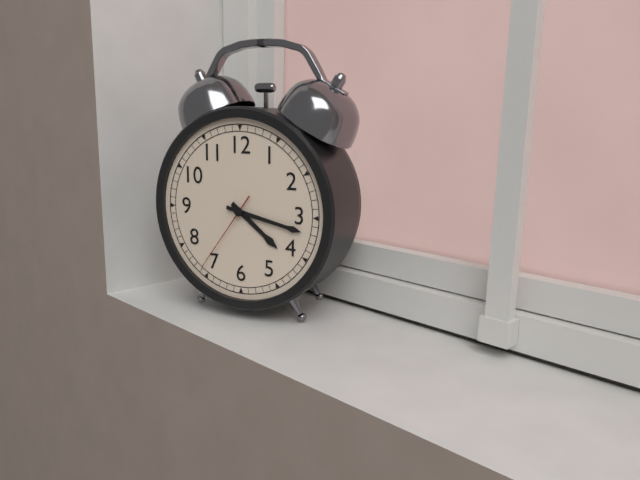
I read 4.17.36
